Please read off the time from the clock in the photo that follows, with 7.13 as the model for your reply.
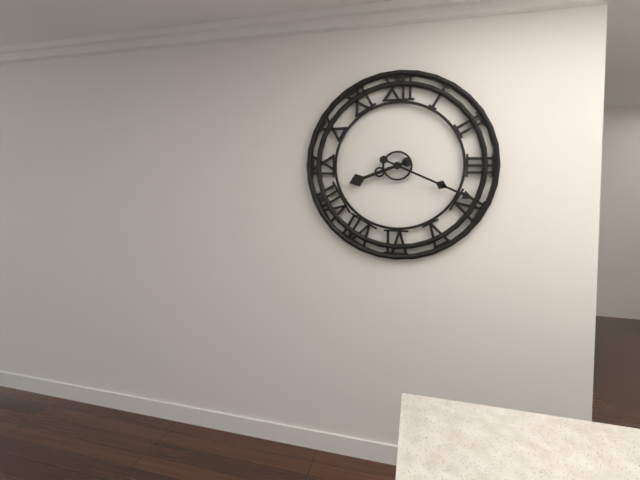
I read 8.19
